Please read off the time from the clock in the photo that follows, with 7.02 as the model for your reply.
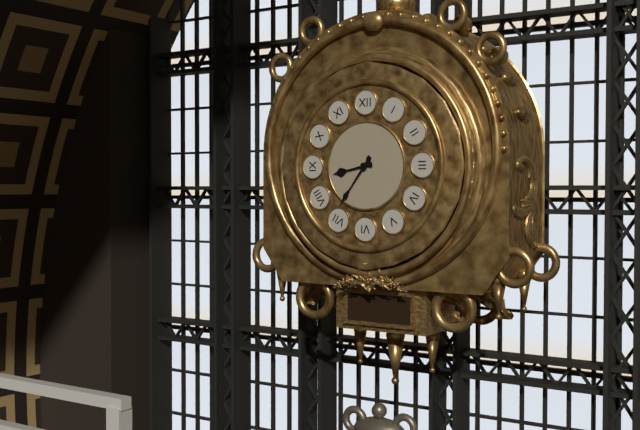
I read 8.36
